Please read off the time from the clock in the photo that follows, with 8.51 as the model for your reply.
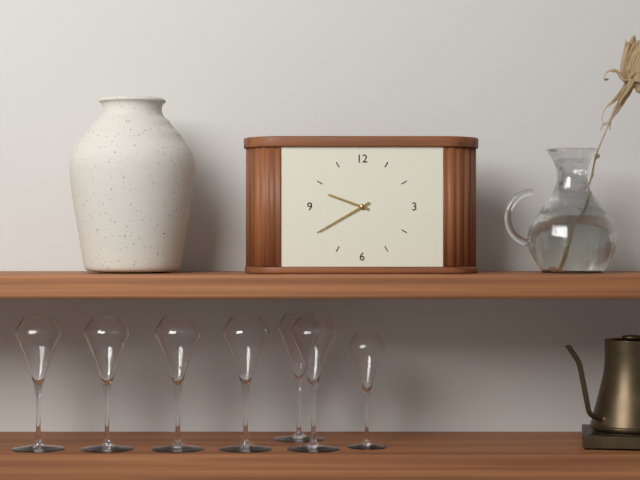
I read 9.40
